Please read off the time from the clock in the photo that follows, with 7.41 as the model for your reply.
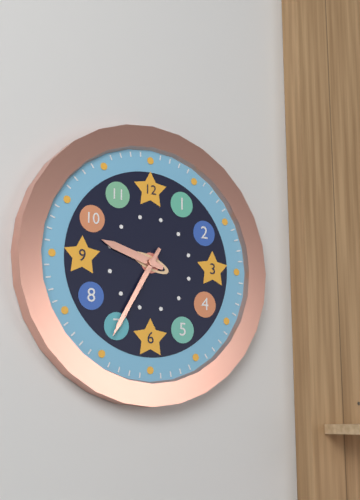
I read 9.35
